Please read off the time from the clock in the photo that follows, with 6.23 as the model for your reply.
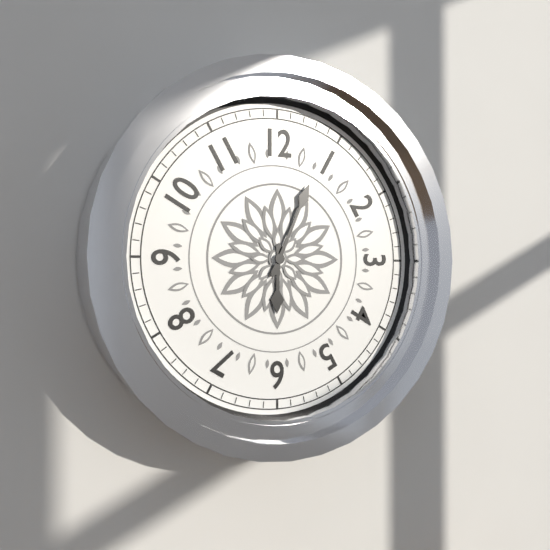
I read 6.04
